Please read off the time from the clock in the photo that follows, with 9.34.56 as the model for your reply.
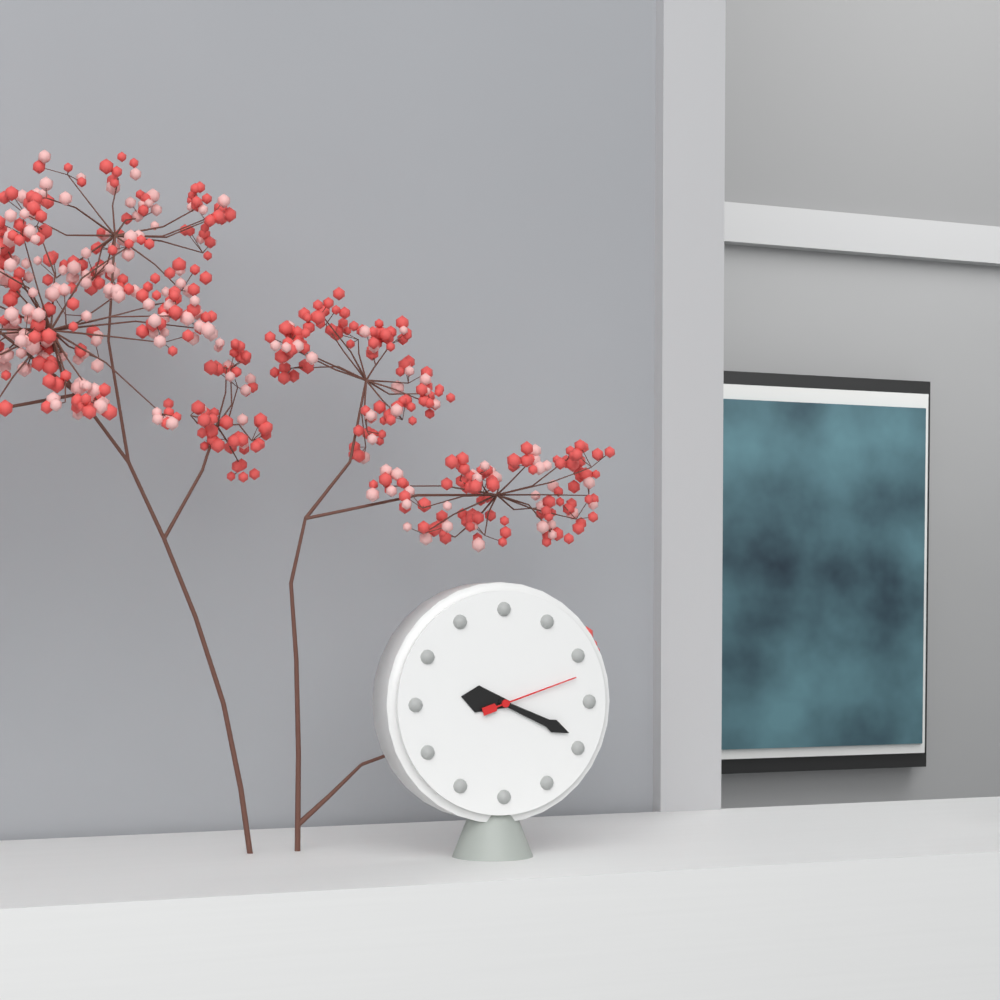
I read 9.19.12
